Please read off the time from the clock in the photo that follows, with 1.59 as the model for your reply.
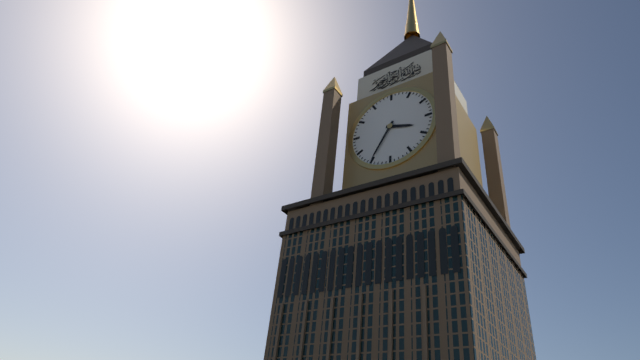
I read 3.35
